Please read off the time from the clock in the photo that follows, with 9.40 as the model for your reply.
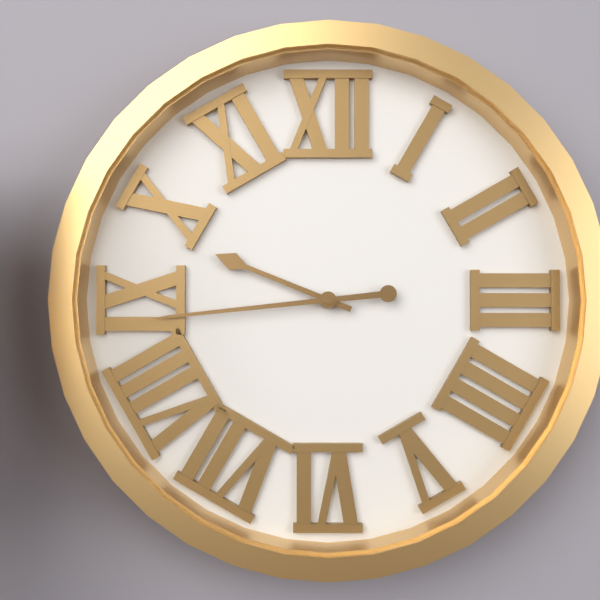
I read 9.44
